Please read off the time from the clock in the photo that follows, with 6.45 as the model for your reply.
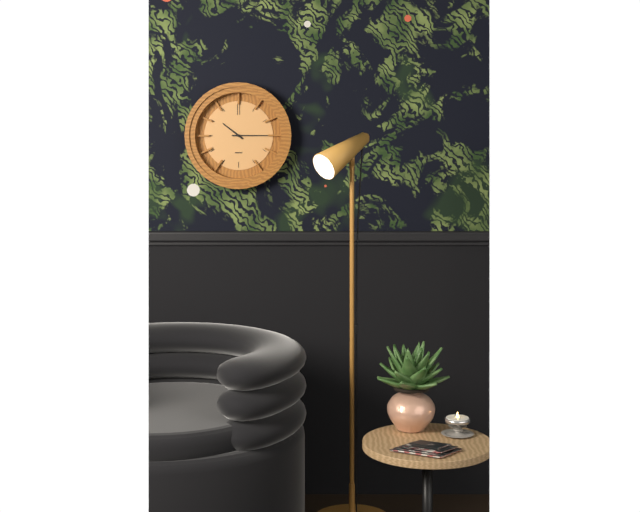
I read 10.15
